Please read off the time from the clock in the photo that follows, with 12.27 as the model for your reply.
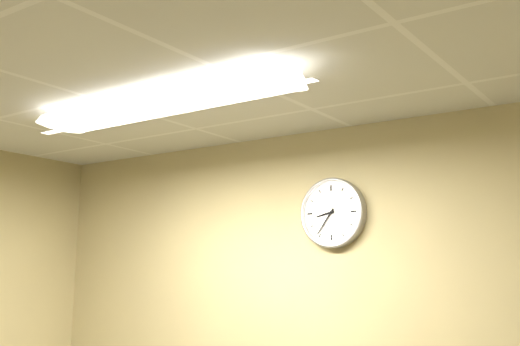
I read 8.36
